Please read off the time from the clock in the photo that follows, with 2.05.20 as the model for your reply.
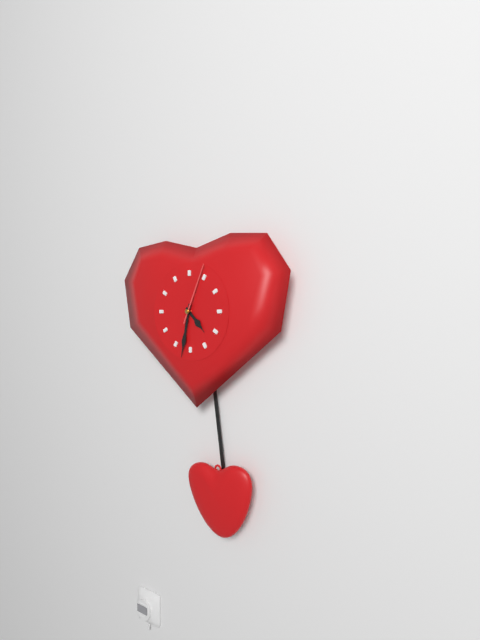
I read 4.32.04
